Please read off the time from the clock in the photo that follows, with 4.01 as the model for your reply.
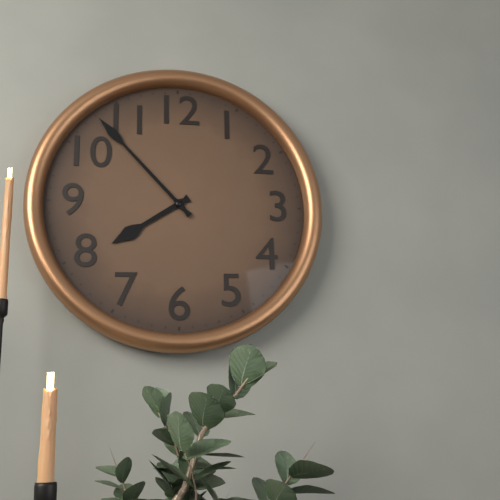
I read 7.53
